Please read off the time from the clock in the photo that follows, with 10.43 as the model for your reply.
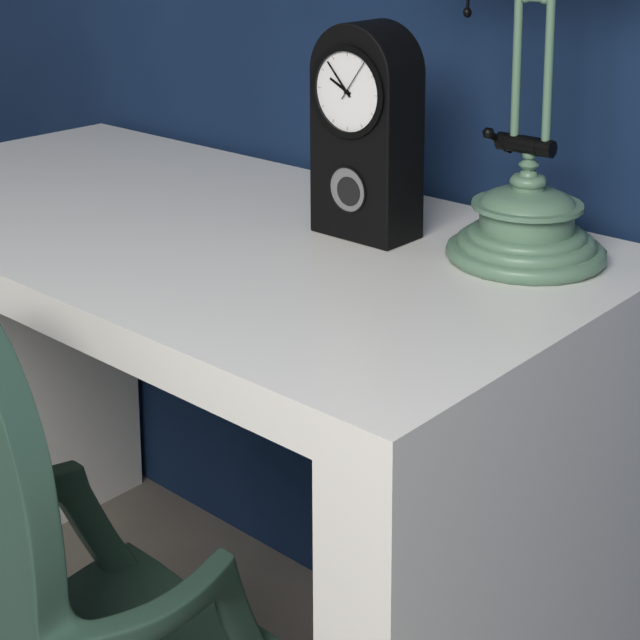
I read 9.53
